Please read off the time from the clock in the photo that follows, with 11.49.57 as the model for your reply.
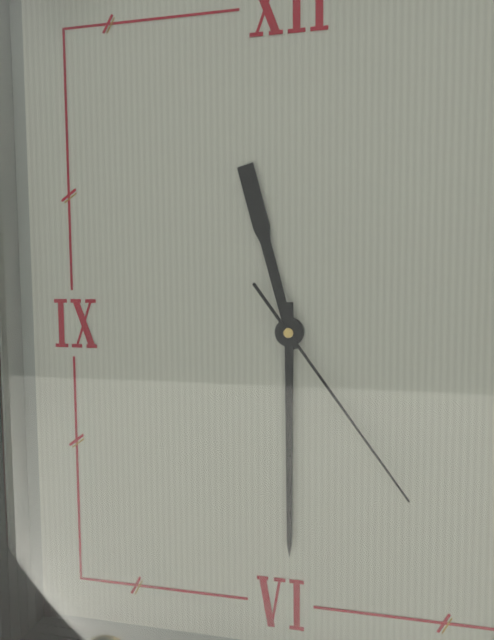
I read 11.30.24
